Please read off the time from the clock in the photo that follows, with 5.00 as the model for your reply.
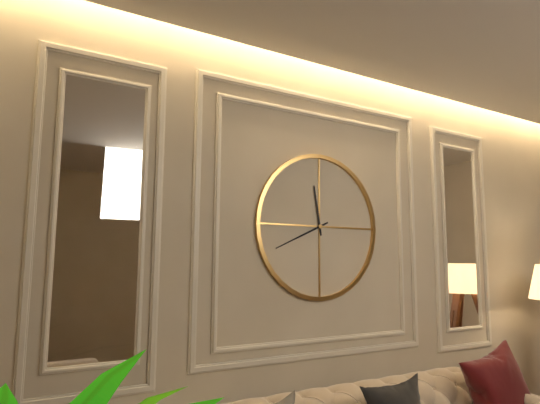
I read 11.41
